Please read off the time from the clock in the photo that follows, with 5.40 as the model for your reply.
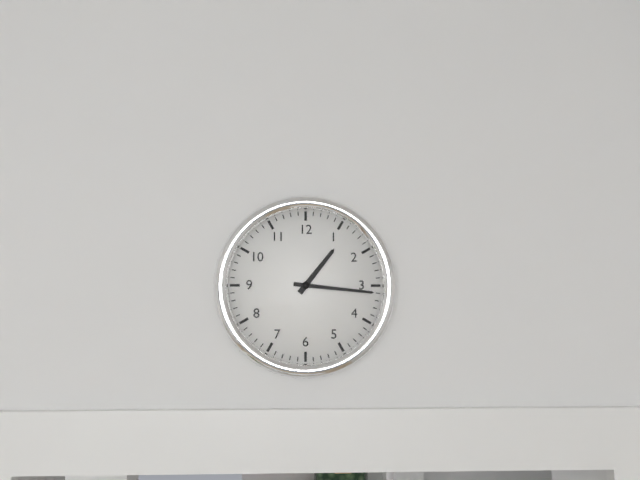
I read 1.16
